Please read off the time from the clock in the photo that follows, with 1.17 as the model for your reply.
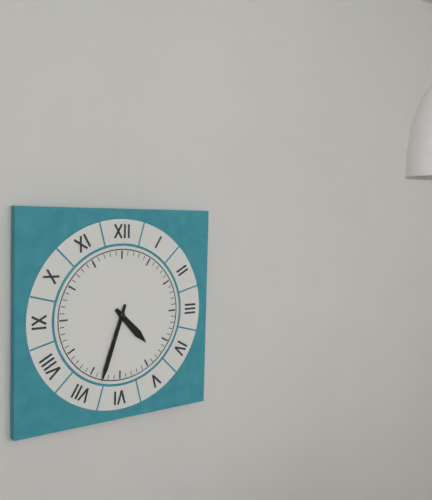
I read 4.33
